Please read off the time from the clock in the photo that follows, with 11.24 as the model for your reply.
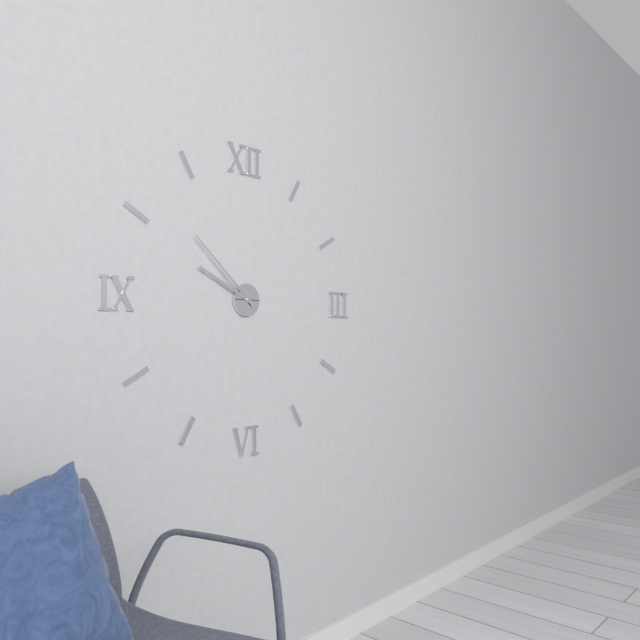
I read 9.52
